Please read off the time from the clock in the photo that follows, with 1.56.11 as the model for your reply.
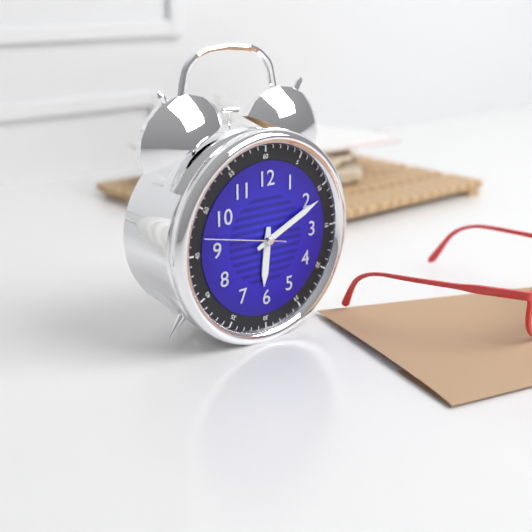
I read 6.11.47
